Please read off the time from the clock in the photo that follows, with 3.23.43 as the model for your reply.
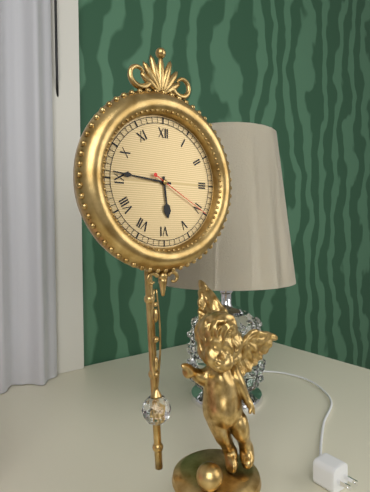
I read 5.46.20
